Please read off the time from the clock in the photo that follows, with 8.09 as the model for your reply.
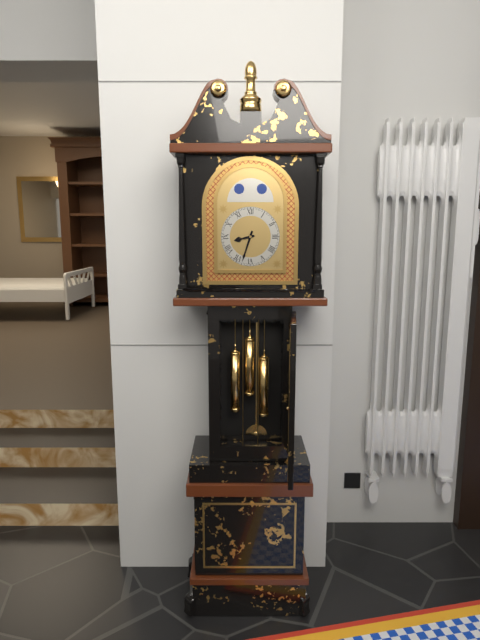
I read 8.33
